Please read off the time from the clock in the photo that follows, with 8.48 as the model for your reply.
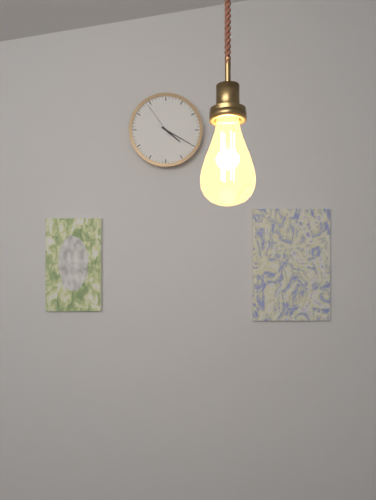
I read 4.20
